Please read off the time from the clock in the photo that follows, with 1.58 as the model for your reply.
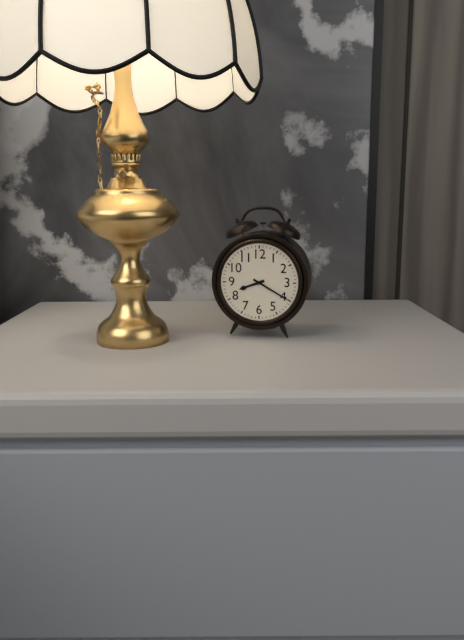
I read 8.20
